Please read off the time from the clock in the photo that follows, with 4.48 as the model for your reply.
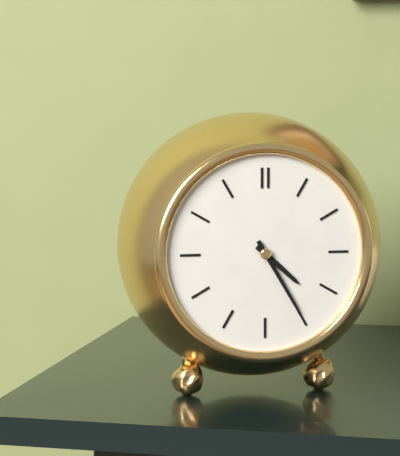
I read 4.25
